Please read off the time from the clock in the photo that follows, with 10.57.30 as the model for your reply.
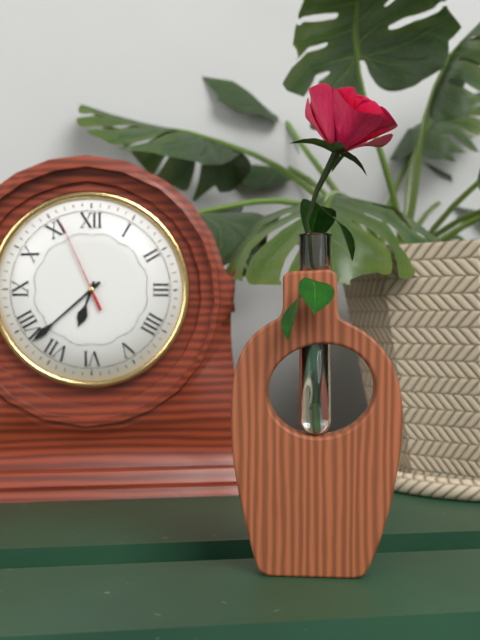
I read 6.38.56
